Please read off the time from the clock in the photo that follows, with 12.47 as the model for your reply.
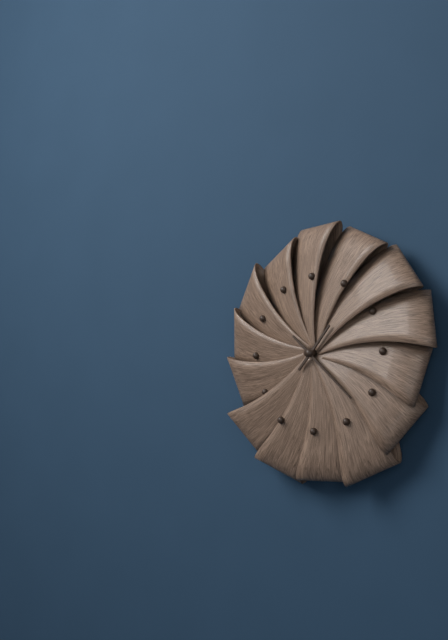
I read 1.22
